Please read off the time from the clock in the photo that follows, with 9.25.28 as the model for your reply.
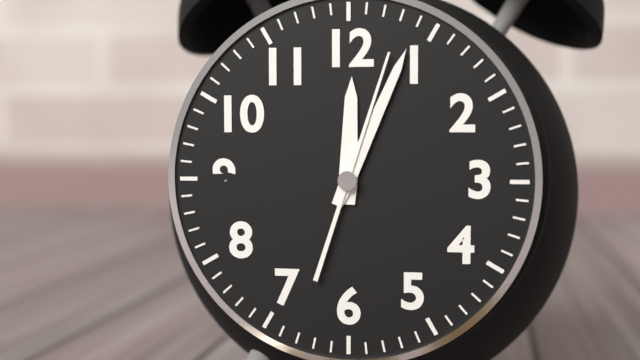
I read 12.04.03
